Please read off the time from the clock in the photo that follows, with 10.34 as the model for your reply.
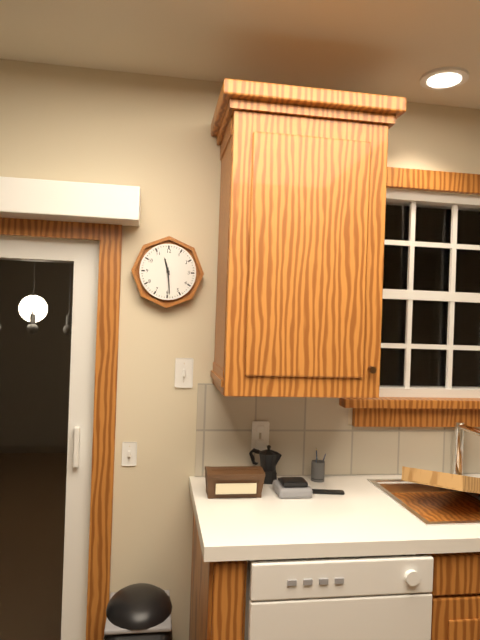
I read 11.29
